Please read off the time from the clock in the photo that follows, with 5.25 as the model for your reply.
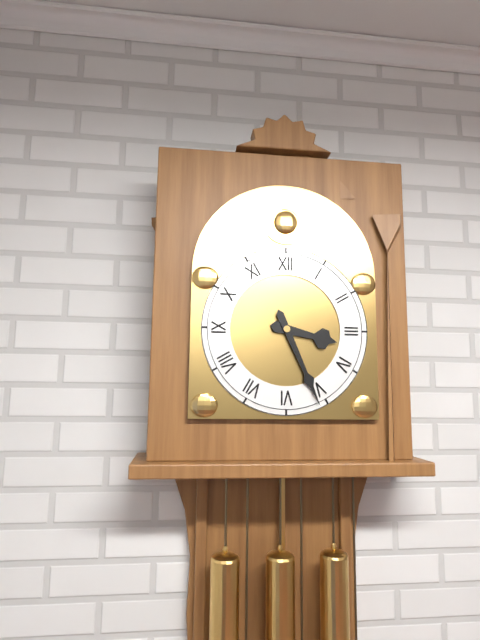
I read 3.26
